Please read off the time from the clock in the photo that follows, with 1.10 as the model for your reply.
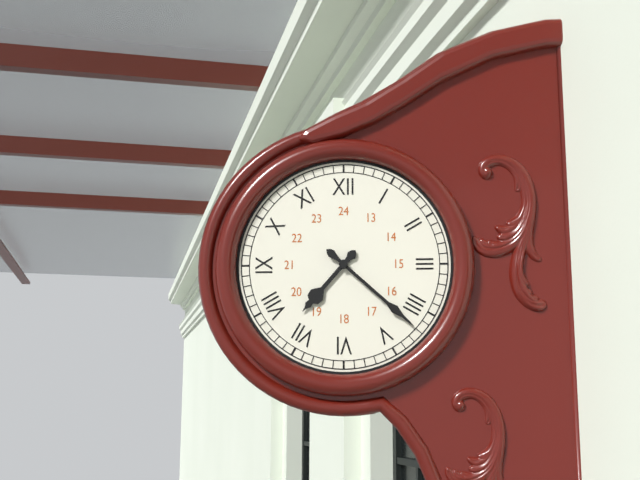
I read 7.22
